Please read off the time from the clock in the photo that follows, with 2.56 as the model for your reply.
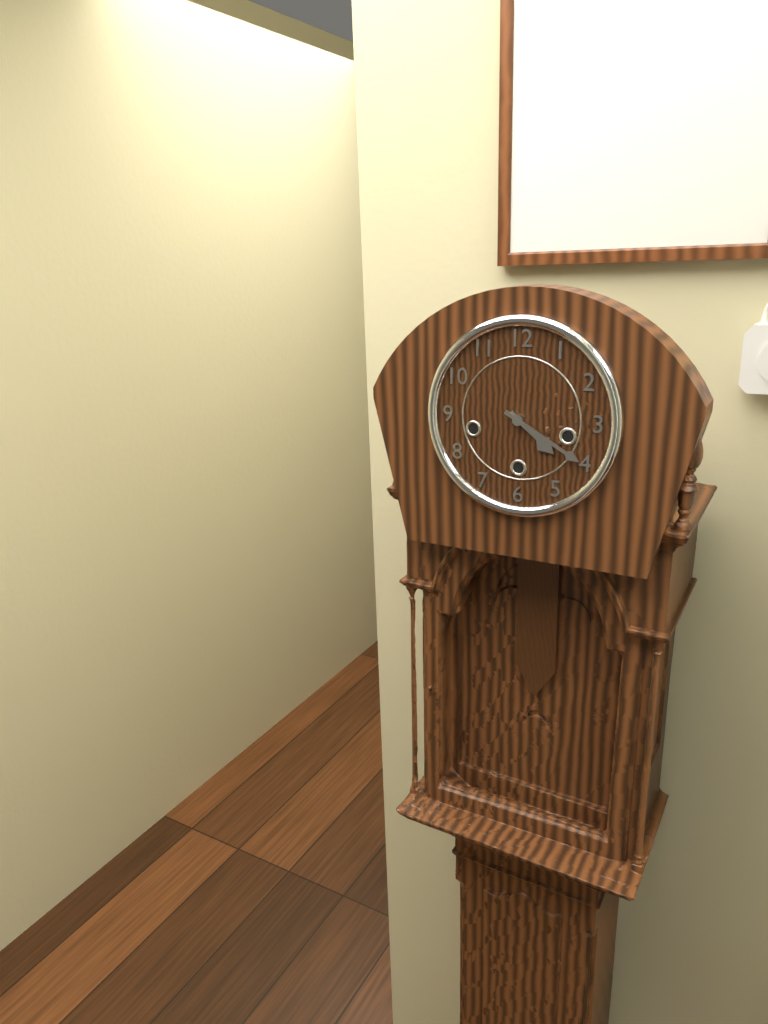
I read 4.20
